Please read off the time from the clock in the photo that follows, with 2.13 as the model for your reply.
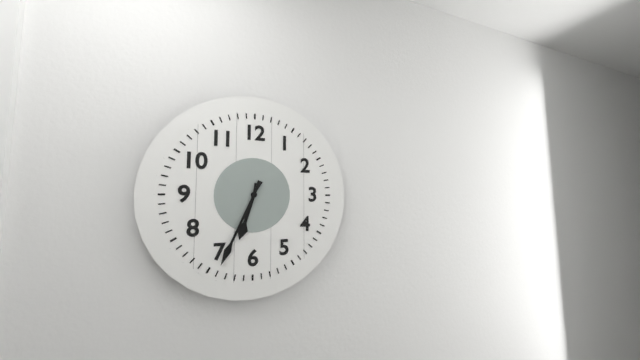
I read 6.34
